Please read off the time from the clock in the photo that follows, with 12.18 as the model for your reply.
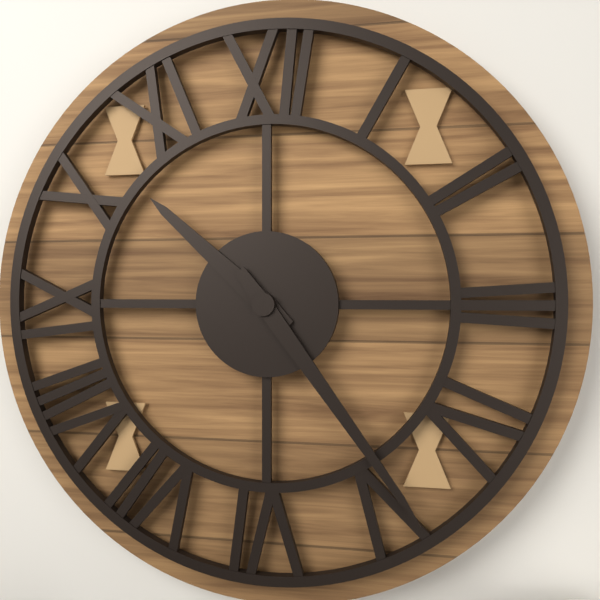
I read 10.24
